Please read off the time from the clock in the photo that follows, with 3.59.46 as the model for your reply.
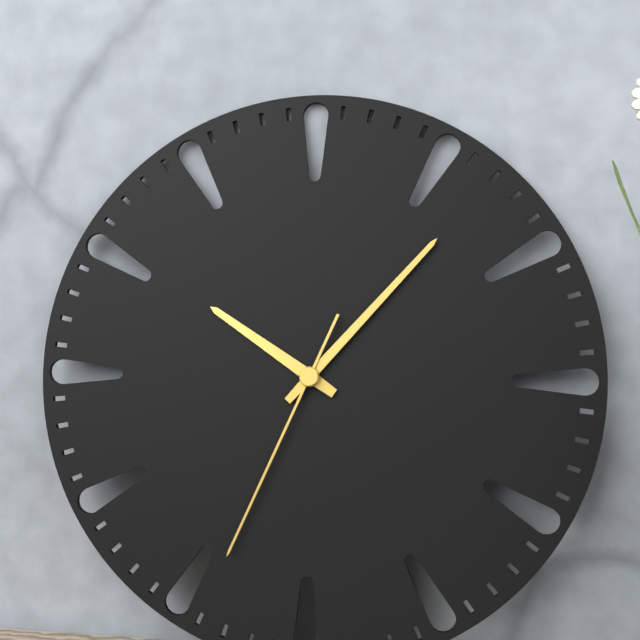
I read 10.07.34
